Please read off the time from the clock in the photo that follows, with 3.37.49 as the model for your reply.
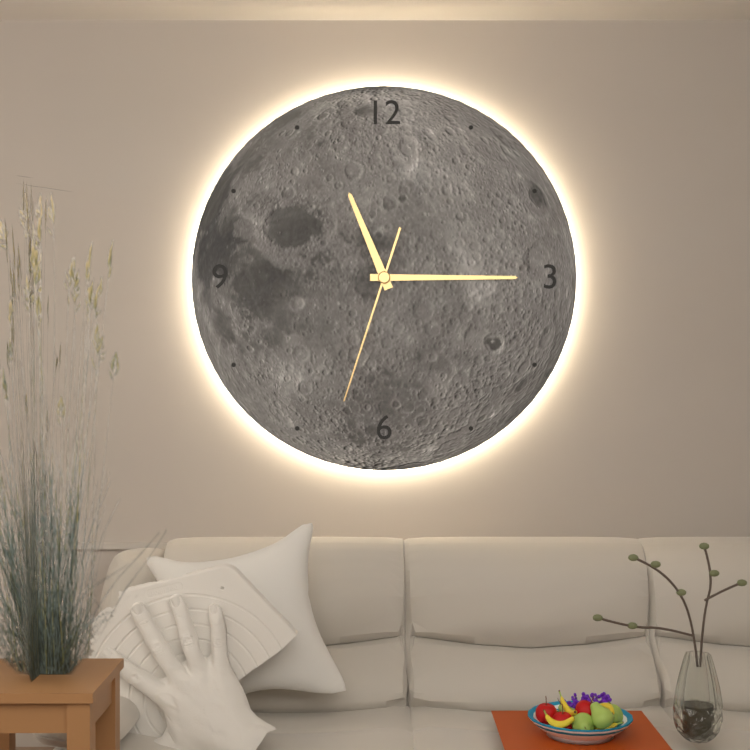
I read 11.15.33
